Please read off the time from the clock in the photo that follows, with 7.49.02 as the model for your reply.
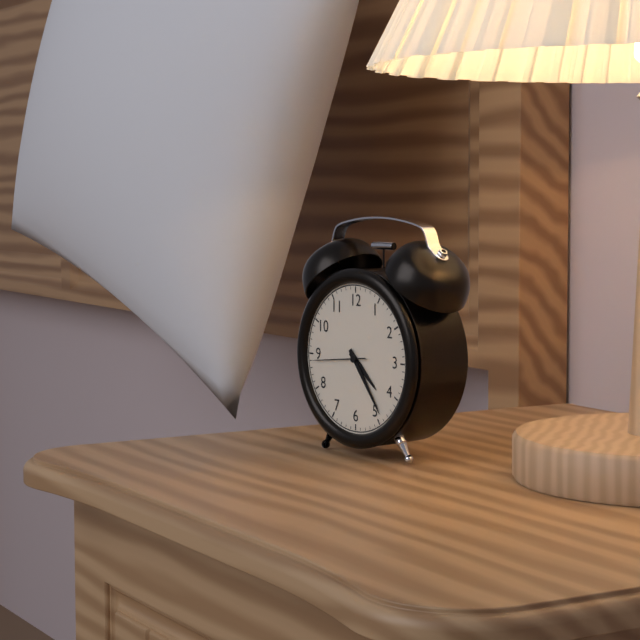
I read 4.24.44
